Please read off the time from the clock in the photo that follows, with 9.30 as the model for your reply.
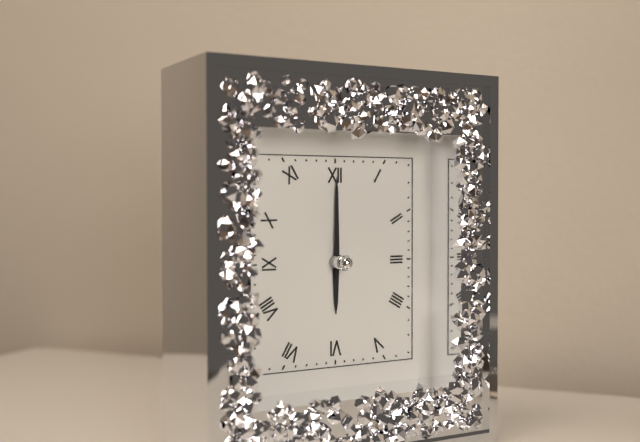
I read 6.00
